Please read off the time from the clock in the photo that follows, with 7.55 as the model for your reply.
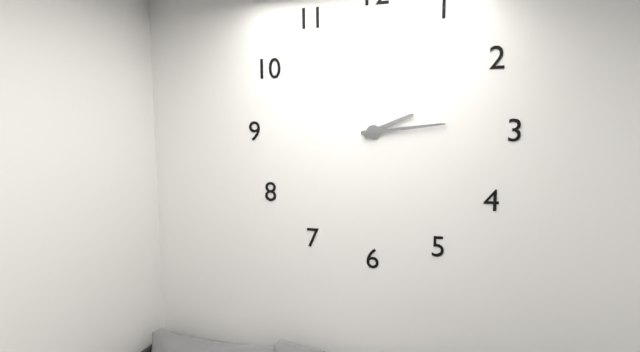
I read 2.14
